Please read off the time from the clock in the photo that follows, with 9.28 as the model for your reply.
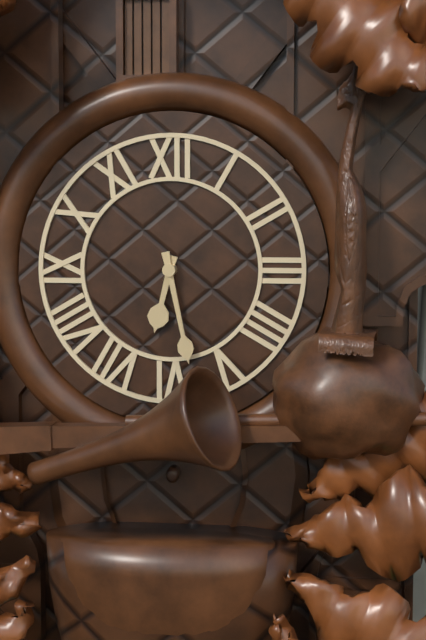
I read 6.28
